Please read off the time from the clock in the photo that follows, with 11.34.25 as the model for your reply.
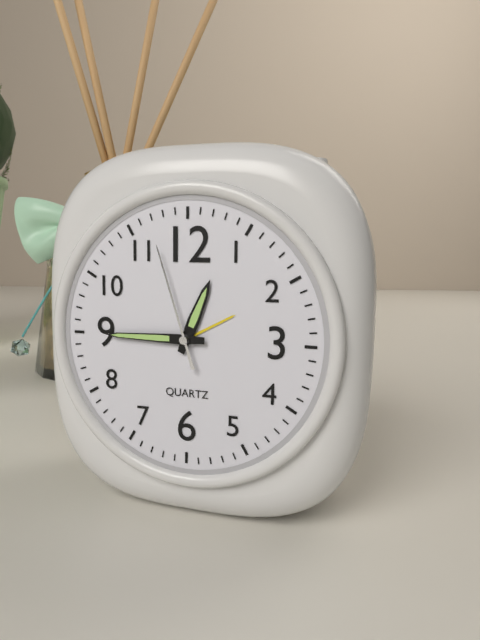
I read 12.45.57
